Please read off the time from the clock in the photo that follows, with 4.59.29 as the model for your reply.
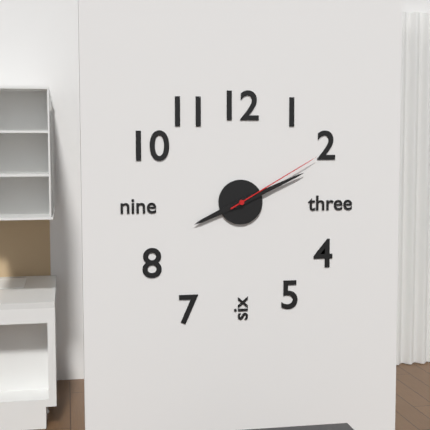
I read 8.11.10
